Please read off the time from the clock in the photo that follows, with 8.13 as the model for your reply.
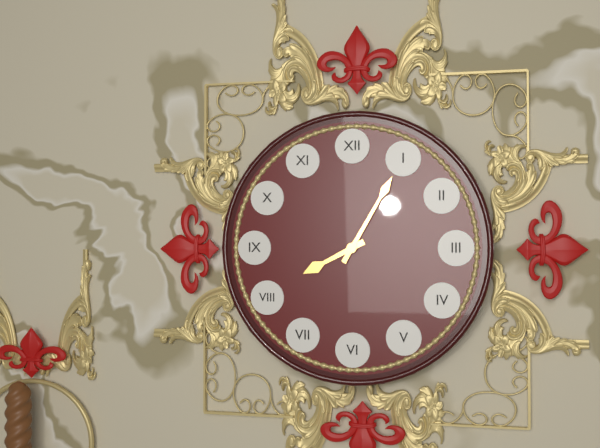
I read 8.05
